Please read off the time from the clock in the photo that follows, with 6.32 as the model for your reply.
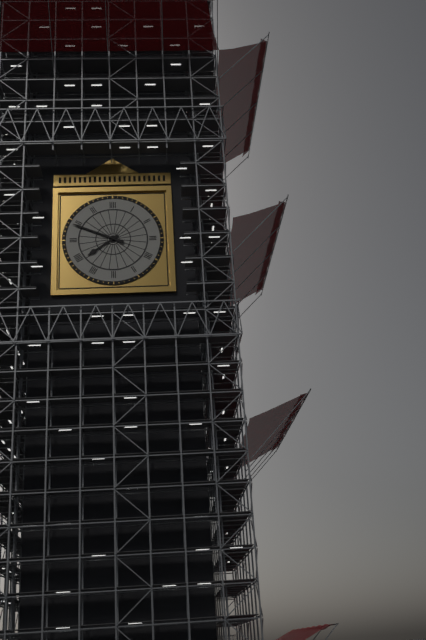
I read 7.49
